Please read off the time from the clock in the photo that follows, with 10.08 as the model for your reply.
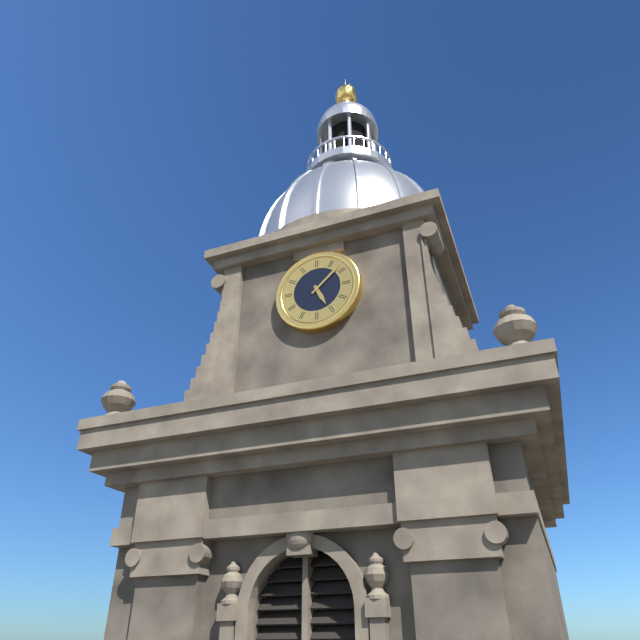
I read 5.08
